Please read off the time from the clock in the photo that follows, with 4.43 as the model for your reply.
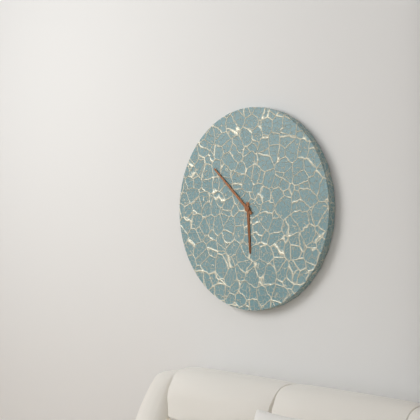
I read 5.52
